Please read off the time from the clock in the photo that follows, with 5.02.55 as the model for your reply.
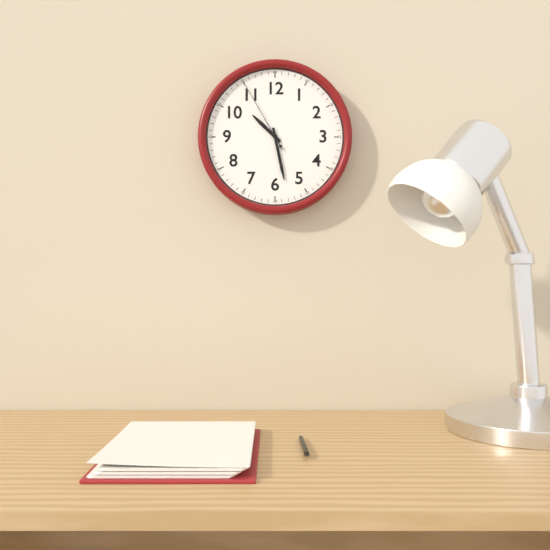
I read 10.28.55
